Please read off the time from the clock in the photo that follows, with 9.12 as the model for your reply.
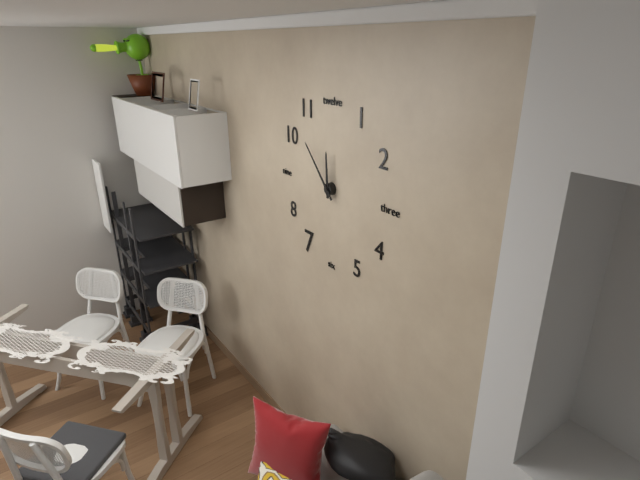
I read 11.53
